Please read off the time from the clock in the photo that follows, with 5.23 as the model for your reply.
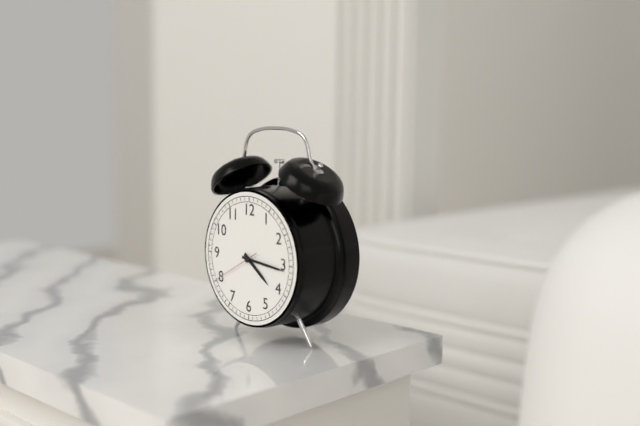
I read 4.16
